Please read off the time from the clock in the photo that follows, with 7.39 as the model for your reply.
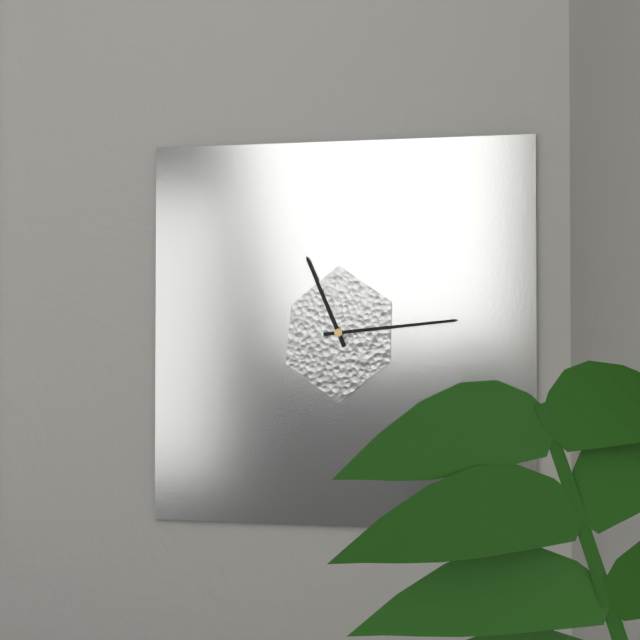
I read 11.14
